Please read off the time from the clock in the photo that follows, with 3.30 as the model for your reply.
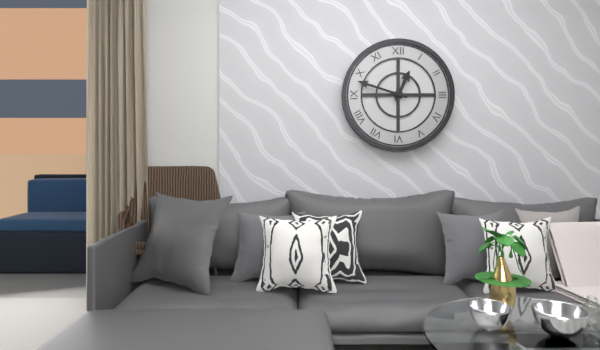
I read 12.48
